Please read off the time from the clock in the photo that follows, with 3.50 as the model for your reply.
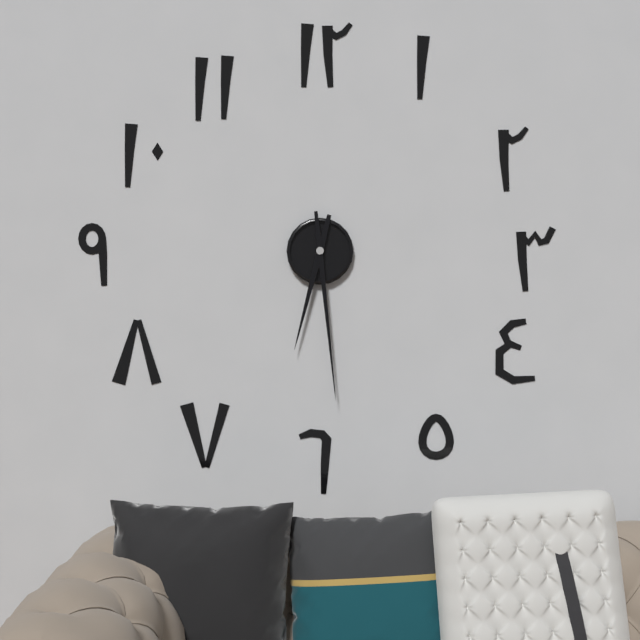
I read 6.29
